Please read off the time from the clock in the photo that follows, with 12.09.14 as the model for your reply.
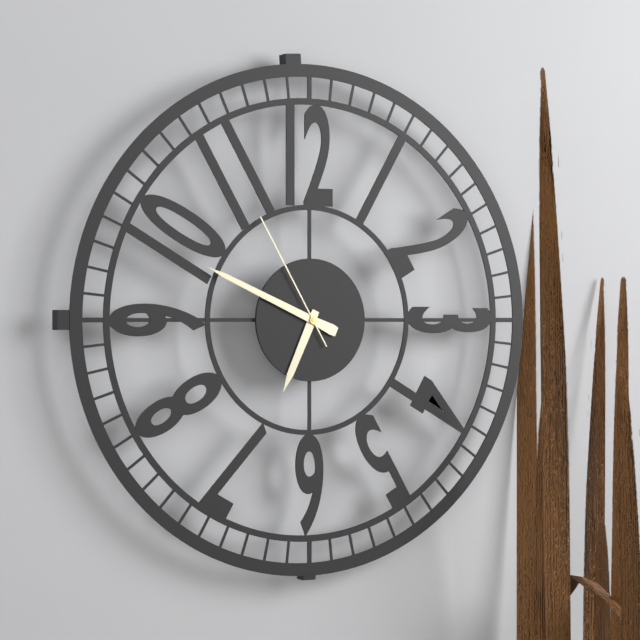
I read 6.49.55
